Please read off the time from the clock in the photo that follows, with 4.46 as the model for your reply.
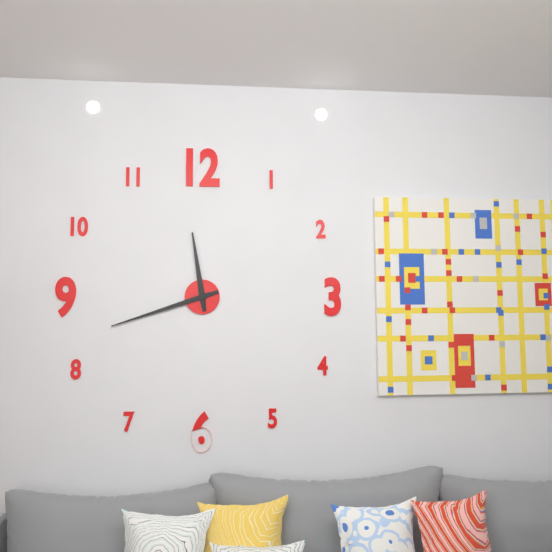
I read 11.42
